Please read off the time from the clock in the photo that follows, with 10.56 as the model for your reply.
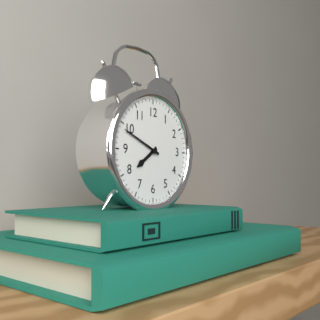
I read 7.49
